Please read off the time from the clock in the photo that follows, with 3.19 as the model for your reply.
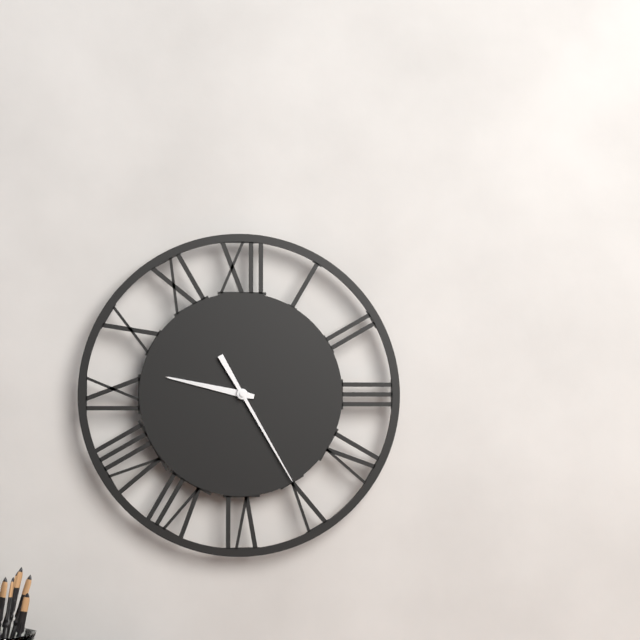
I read 9.25
